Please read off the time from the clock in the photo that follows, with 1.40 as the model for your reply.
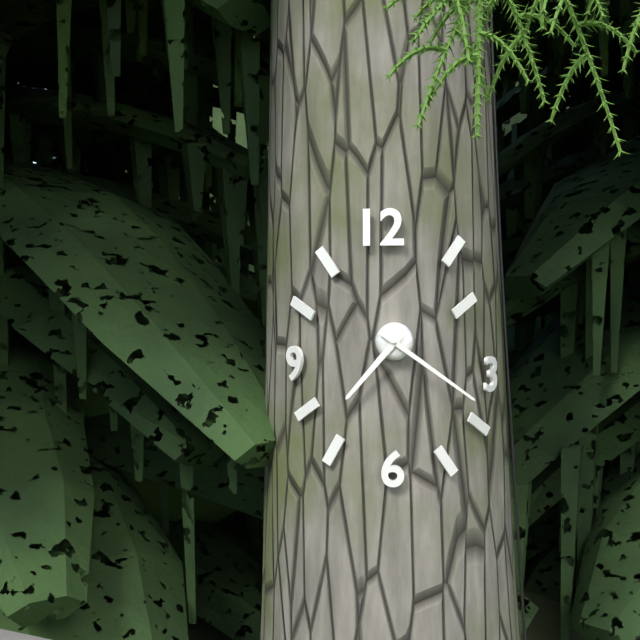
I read 7.21
